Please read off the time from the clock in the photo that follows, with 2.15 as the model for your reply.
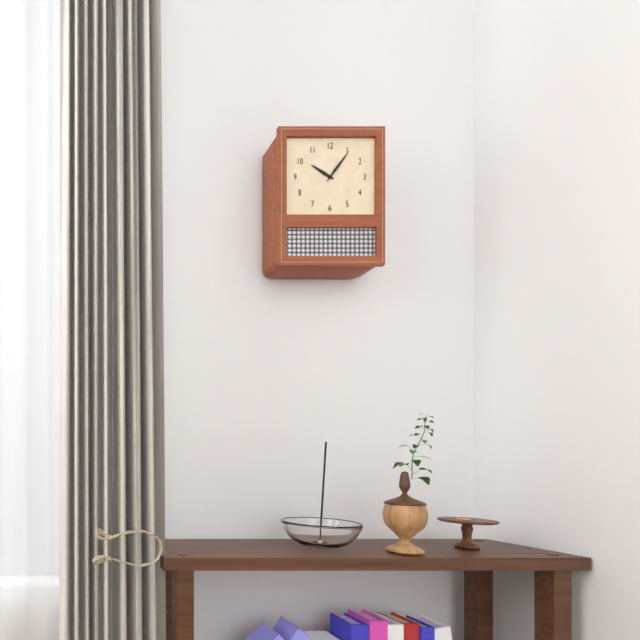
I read 10.06
